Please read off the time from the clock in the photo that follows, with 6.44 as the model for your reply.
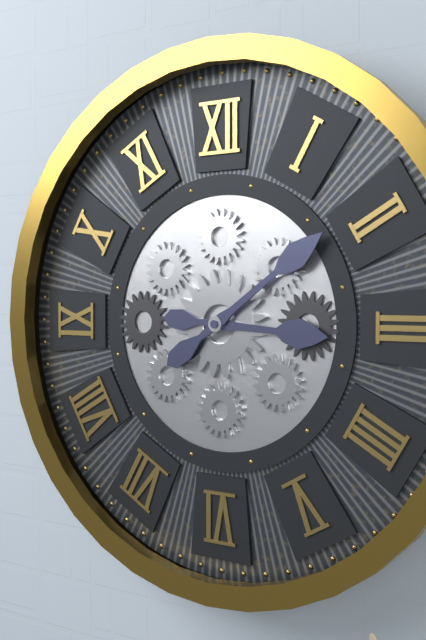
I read 3.09
